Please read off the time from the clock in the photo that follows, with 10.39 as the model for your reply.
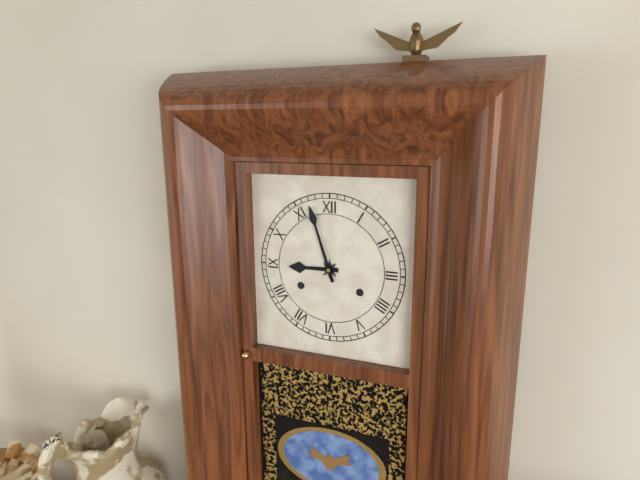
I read 8.57
